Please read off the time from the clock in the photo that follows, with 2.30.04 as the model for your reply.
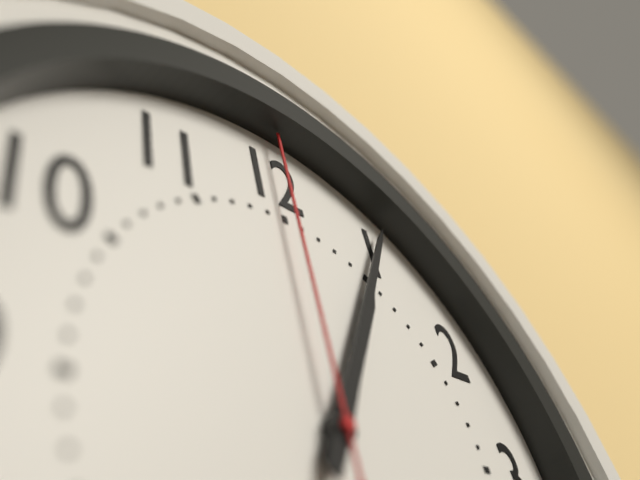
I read 1.05.00
